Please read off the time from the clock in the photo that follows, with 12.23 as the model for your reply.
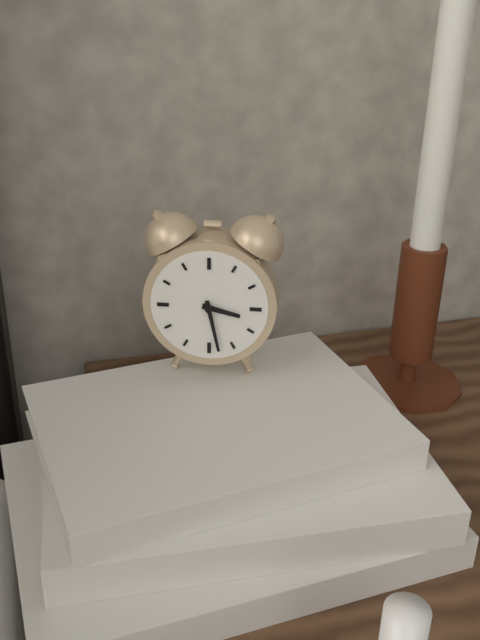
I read 3.28
